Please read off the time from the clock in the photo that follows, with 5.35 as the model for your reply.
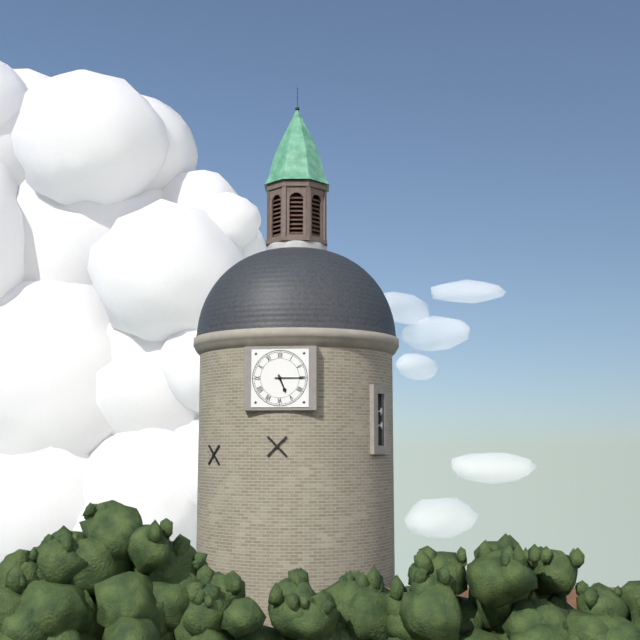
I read 5.15
